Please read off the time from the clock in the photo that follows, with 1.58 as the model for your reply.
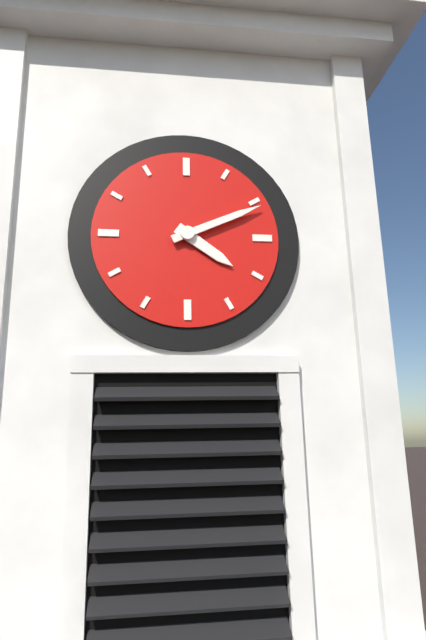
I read 4.11
